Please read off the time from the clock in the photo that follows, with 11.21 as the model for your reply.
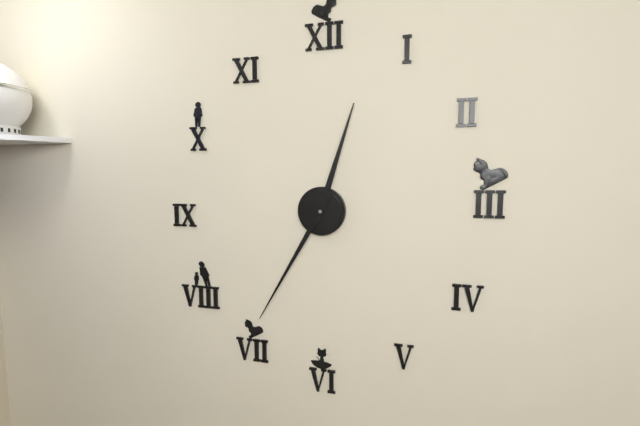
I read 12.35
